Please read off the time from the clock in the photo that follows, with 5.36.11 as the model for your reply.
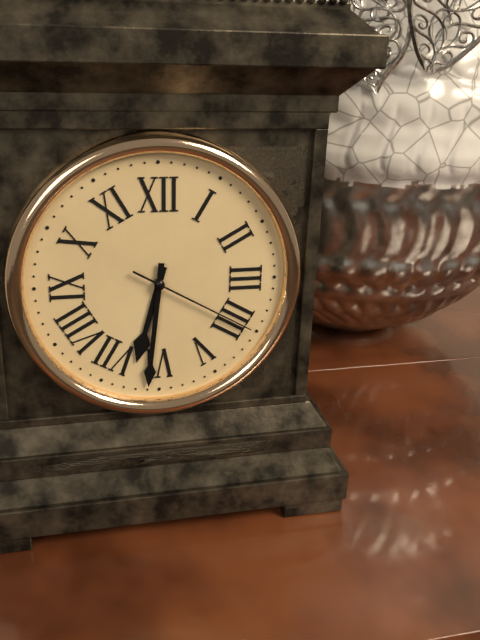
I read 6.31.20
